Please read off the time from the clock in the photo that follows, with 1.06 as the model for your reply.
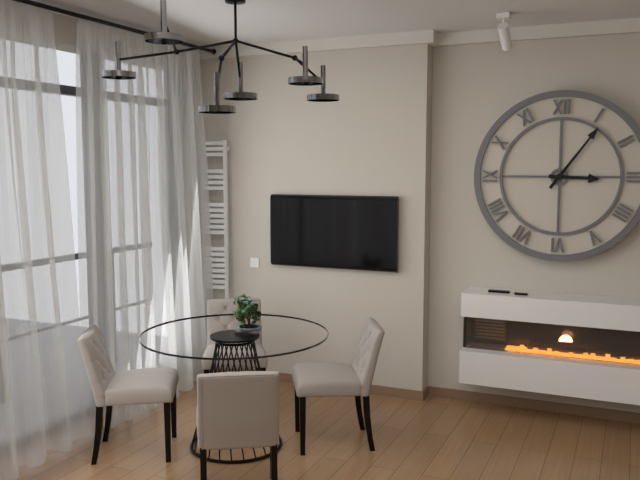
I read 3.06
